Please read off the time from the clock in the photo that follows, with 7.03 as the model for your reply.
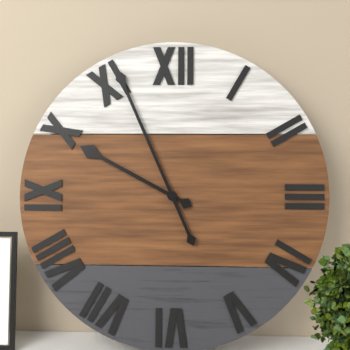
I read 9.56
